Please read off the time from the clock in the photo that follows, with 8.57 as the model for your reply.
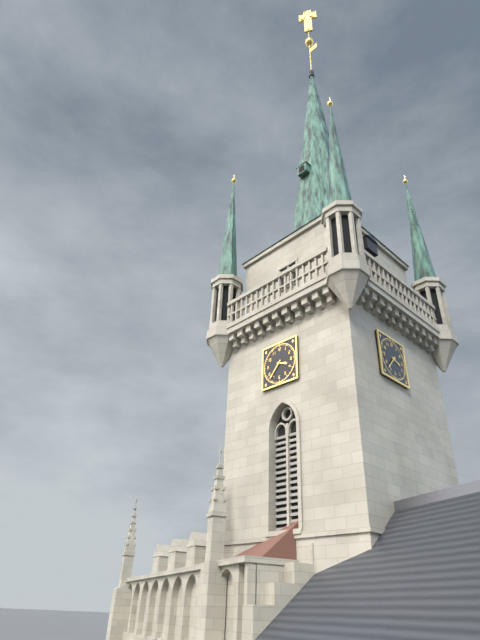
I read 3.37
